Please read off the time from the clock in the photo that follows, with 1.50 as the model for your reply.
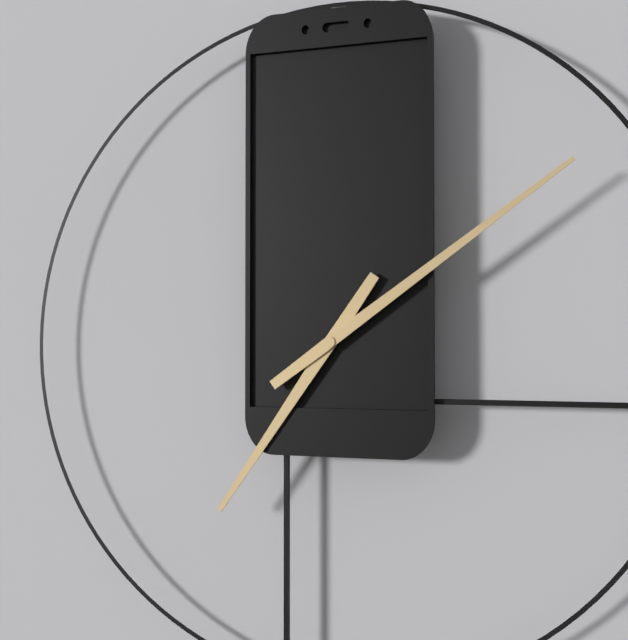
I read 7.09
